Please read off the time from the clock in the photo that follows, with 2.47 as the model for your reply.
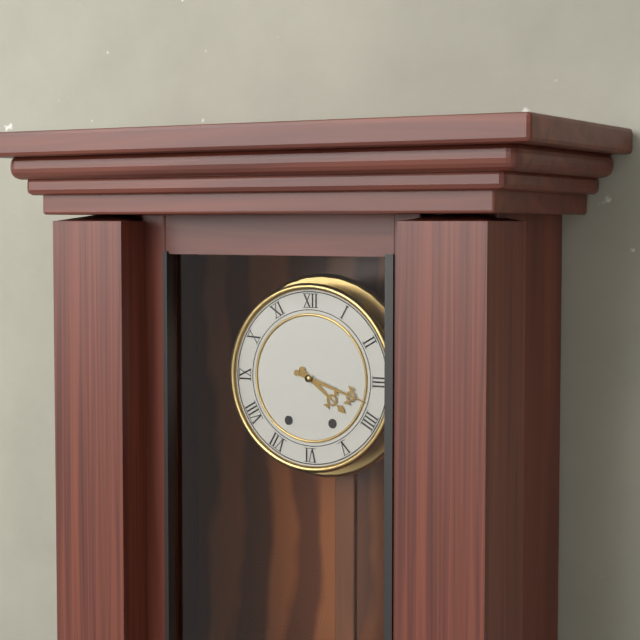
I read 4.18
